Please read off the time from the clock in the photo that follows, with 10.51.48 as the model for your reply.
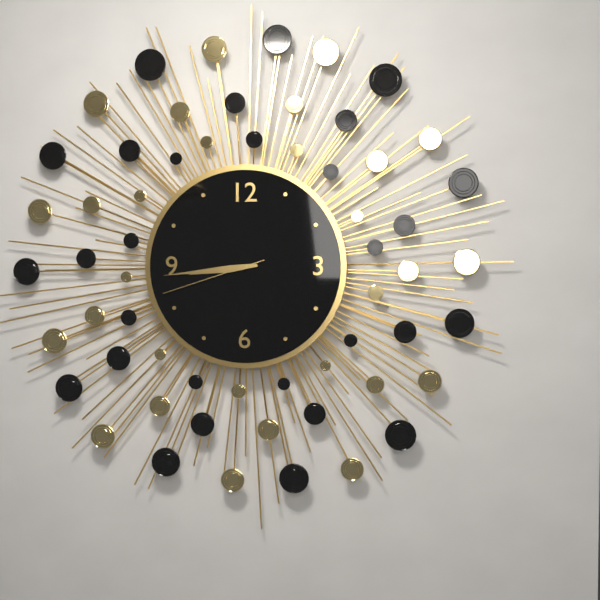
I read 8.44.42
